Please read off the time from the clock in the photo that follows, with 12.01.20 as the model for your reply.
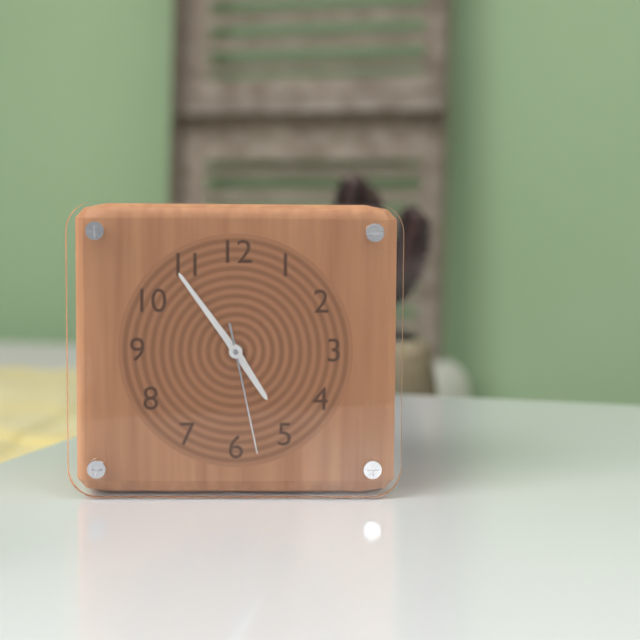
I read 4.54.28
